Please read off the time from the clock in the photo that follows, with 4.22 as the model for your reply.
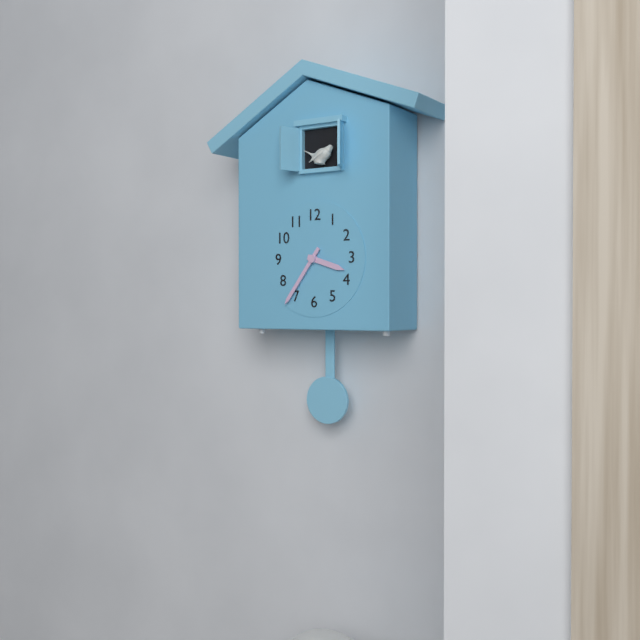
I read 3.36
